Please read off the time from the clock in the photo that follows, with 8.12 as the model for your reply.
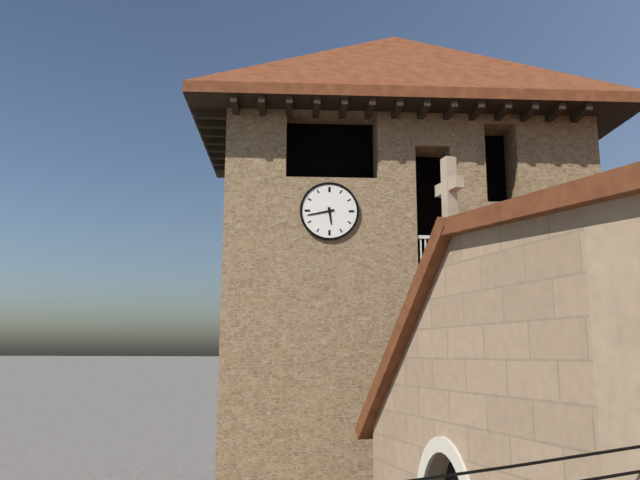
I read 5.43
